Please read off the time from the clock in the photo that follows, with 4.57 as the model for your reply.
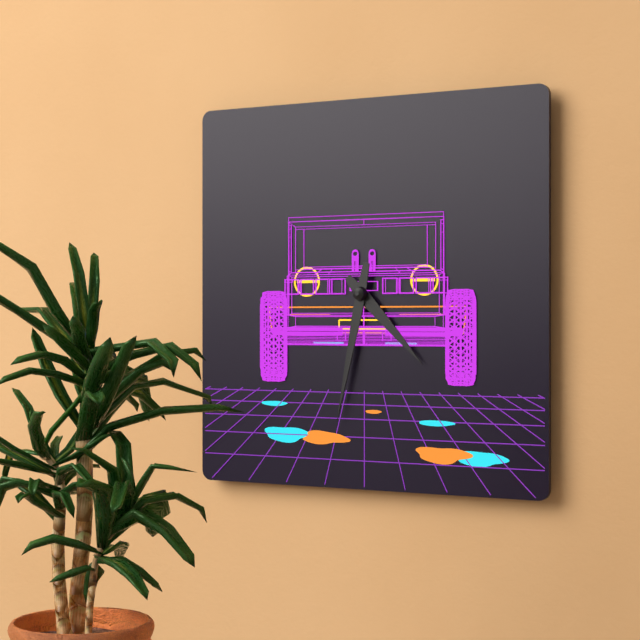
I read 4.32
